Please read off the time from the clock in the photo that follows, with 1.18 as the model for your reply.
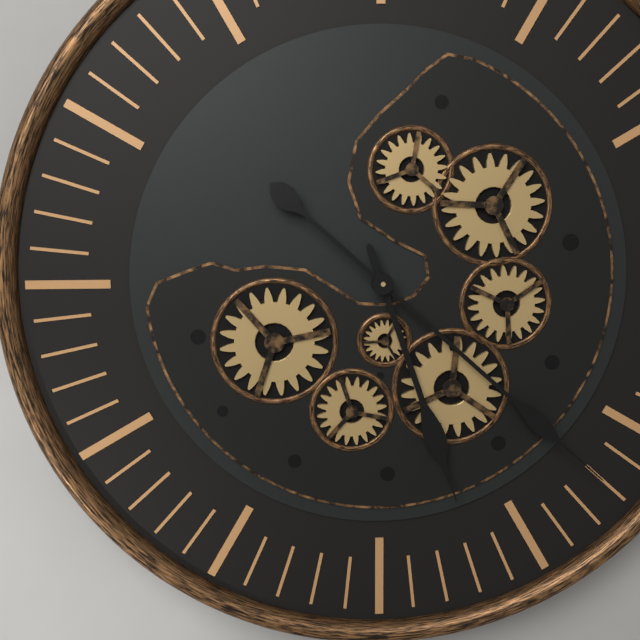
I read 5.22
